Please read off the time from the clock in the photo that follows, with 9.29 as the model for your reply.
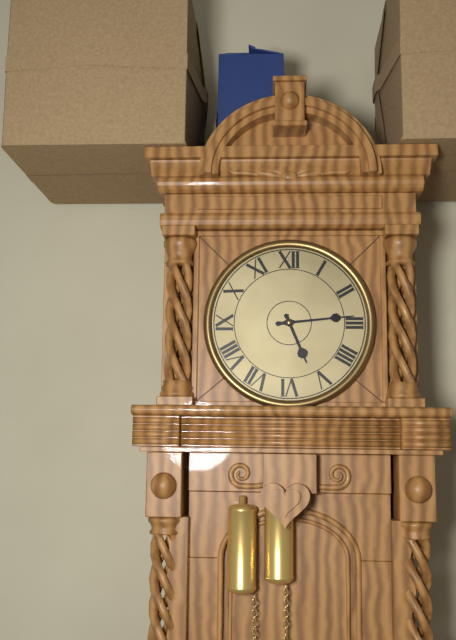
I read 5.14
